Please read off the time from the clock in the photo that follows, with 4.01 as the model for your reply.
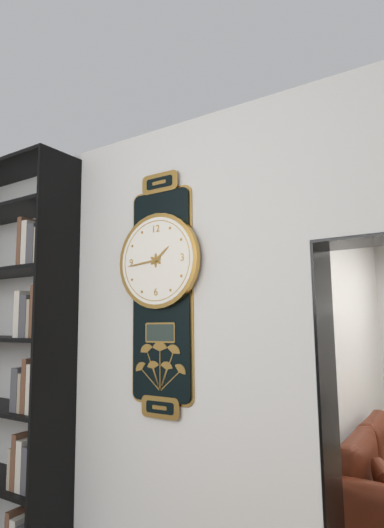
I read 1.44
